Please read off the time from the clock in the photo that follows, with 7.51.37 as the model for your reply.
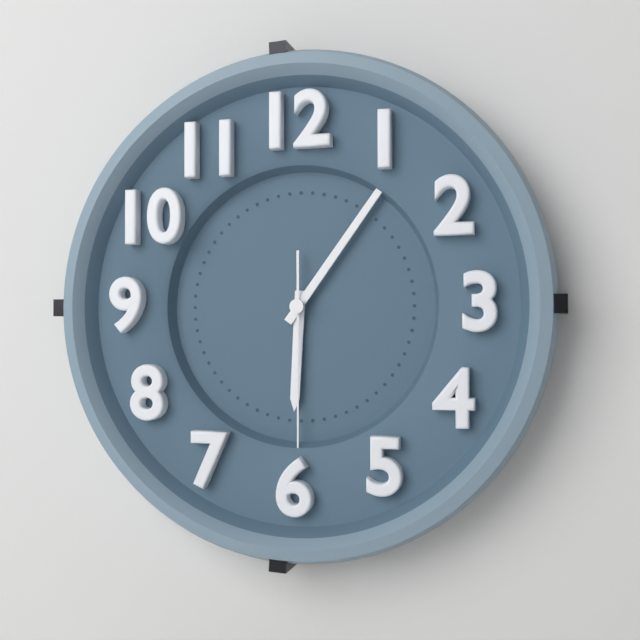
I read 6.06.30
